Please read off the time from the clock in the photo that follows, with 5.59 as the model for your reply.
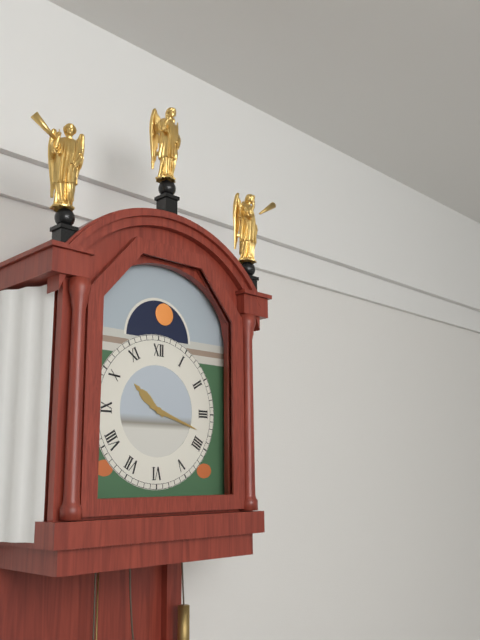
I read 10.18
